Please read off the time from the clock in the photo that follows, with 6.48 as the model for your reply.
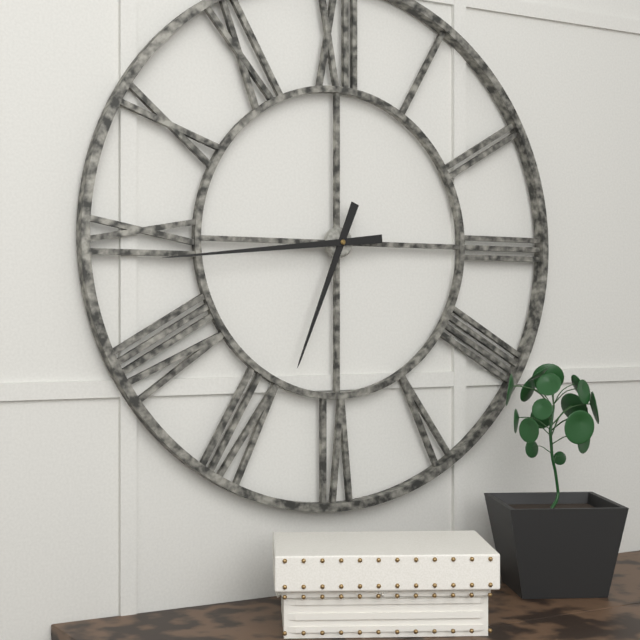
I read 6.44
